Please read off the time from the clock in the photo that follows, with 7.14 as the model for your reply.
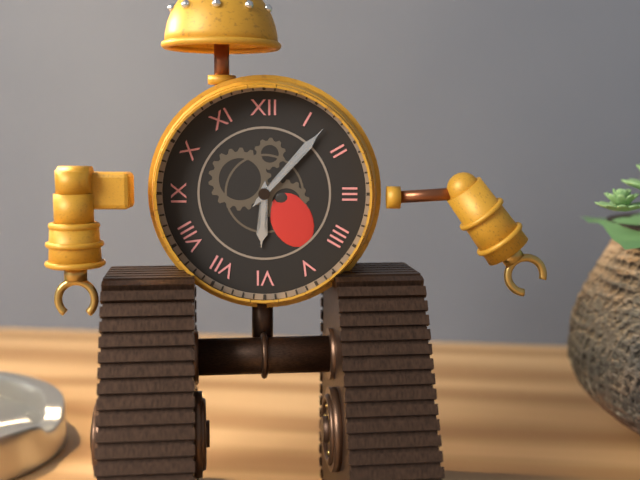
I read 6.07
